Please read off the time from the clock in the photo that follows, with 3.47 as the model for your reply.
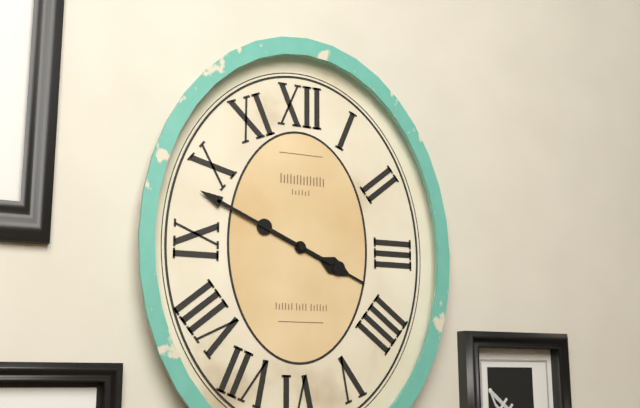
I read 3.49
